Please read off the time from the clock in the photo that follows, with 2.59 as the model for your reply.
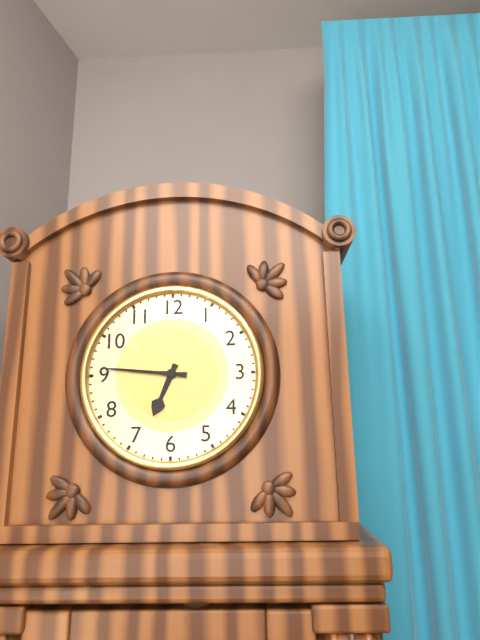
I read 6.46
